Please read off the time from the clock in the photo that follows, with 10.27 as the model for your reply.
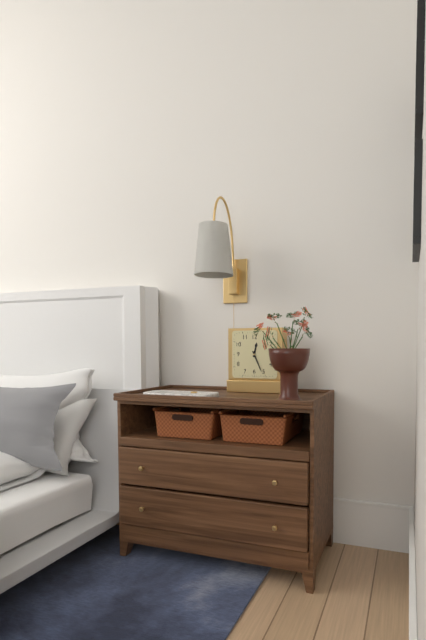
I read 12.26
